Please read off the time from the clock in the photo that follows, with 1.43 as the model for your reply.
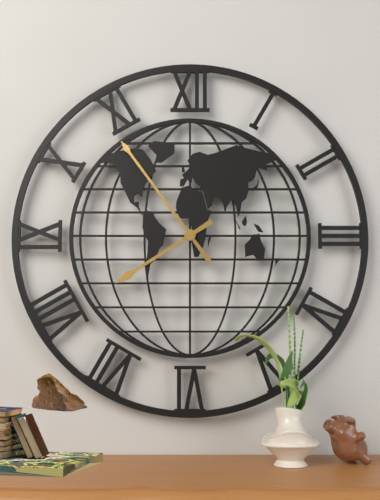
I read 7.54
